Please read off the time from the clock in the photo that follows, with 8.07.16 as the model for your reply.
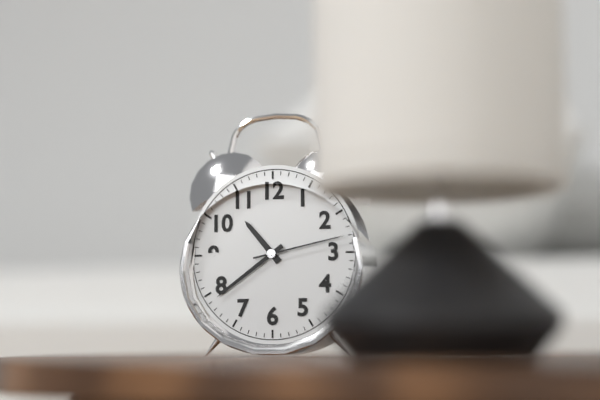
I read 10.39.13
